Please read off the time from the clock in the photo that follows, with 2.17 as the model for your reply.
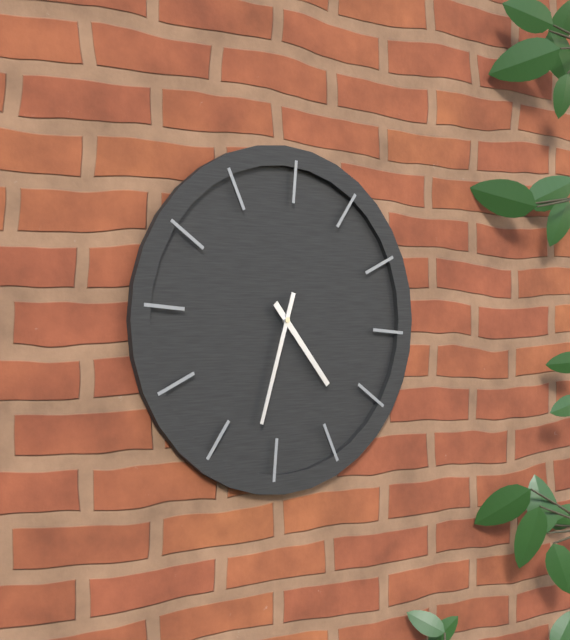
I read 4.32
